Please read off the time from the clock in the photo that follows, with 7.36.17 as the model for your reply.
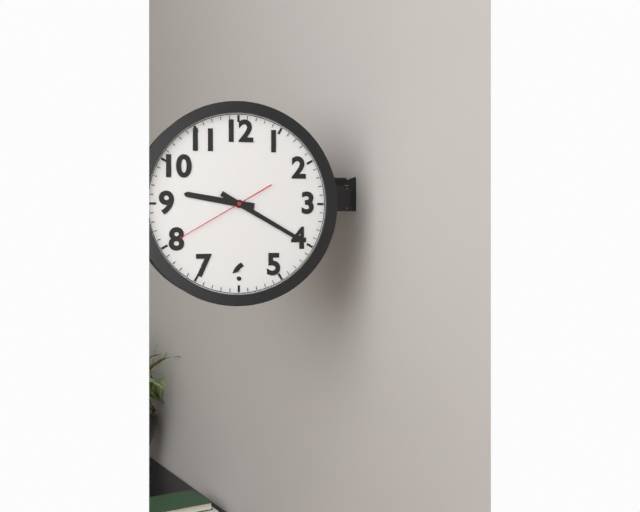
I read 9.20.40
